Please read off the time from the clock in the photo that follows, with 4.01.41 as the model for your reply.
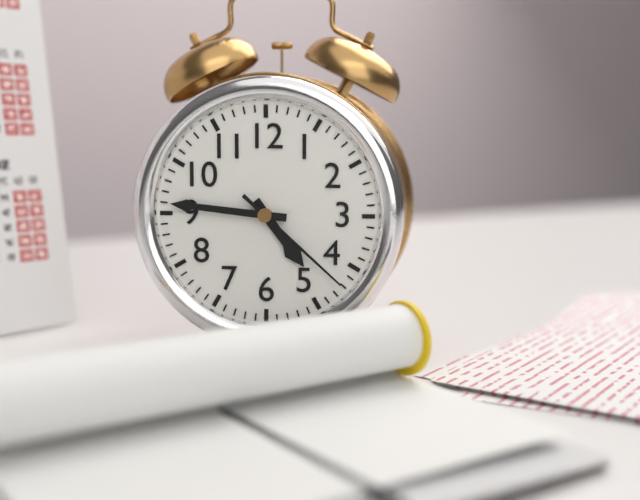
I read 4.46.22
